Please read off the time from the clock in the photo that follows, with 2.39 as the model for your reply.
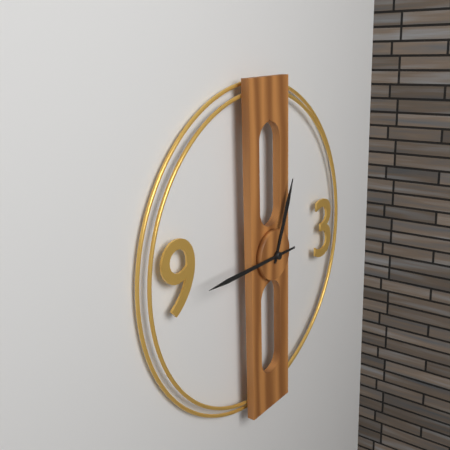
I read 12.45
